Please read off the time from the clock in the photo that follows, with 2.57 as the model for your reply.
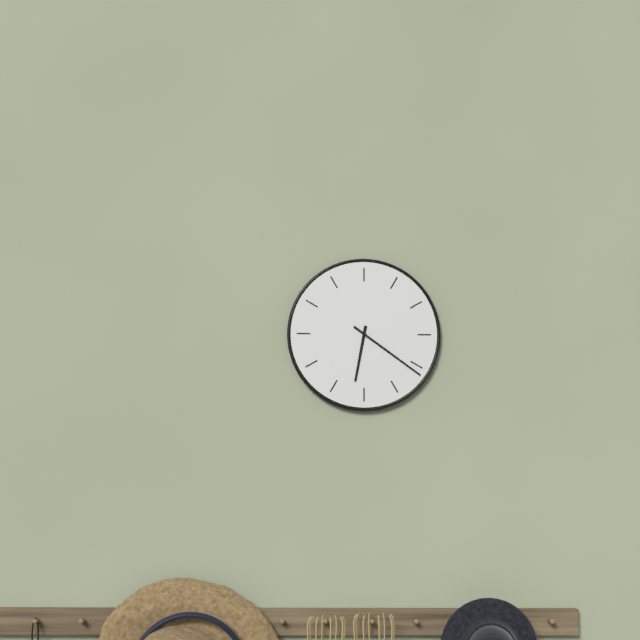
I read 6.21
